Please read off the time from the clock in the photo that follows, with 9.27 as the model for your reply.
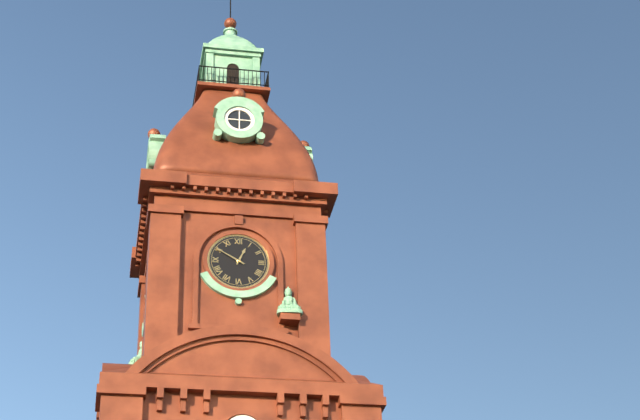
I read 12.50
